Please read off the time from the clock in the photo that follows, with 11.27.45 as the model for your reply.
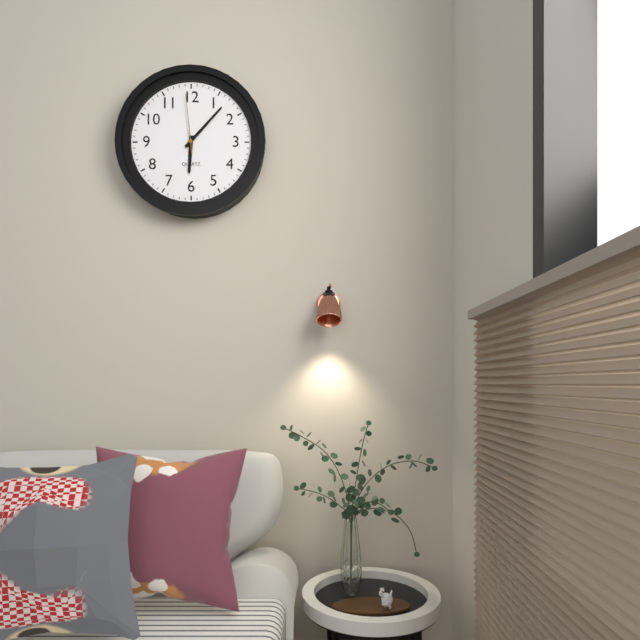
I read 6.07.59
